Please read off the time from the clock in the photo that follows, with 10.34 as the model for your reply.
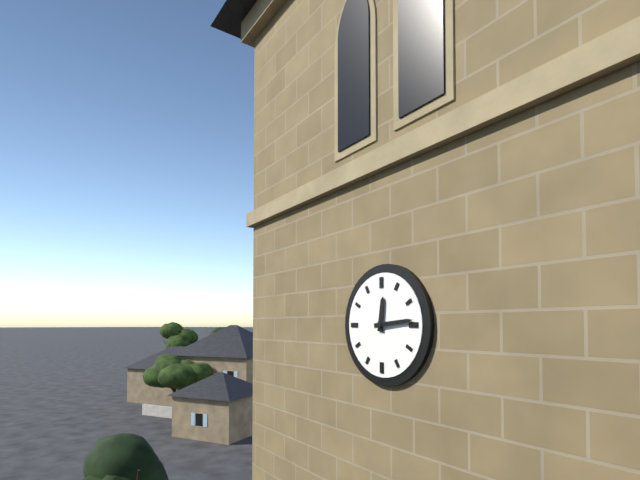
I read 12.14
